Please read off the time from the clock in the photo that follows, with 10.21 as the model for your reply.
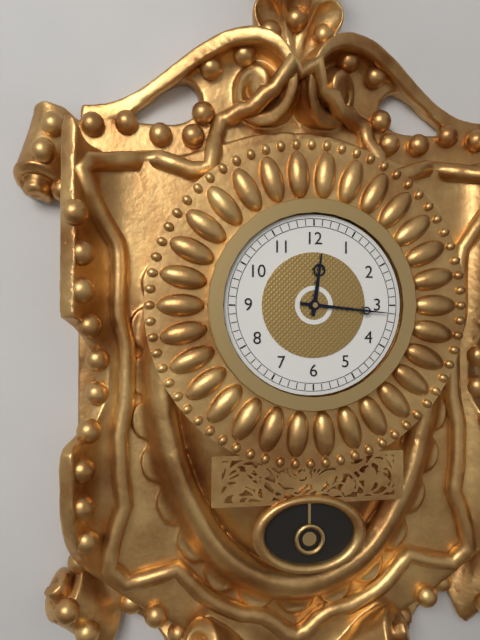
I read 12.16
